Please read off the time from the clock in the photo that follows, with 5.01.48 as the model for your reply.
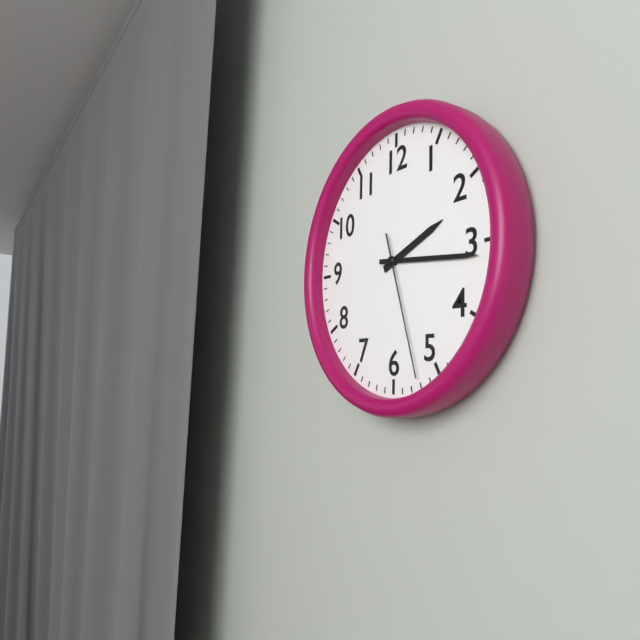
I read 2.16.27
